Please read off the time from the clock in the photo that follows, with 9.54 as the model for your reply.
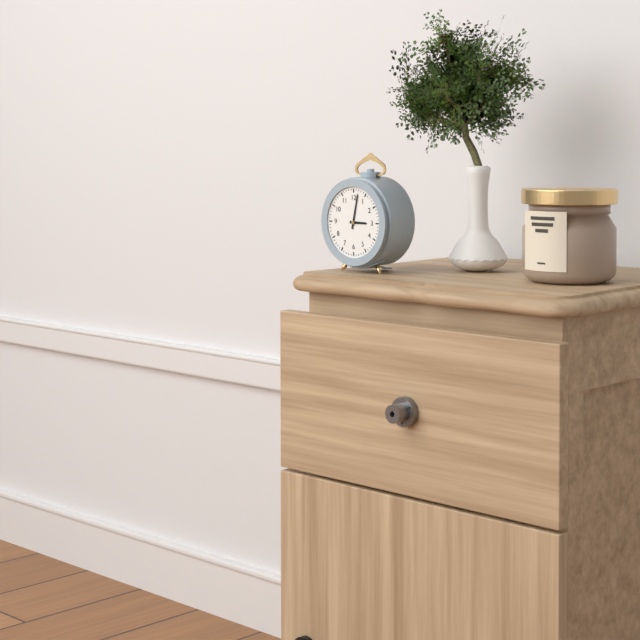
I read 3.02
